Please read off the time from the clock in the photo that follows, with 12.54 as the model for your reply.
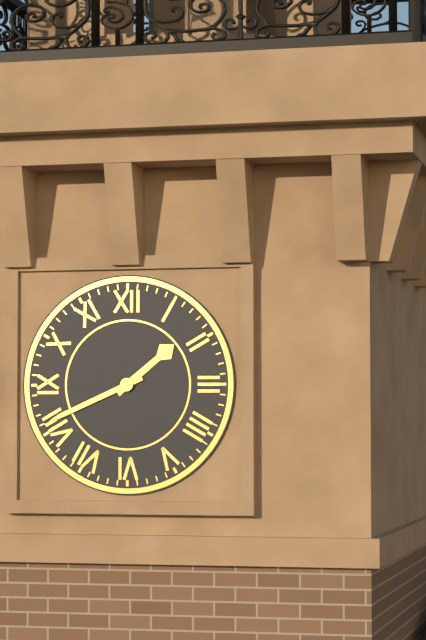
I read 1.41
